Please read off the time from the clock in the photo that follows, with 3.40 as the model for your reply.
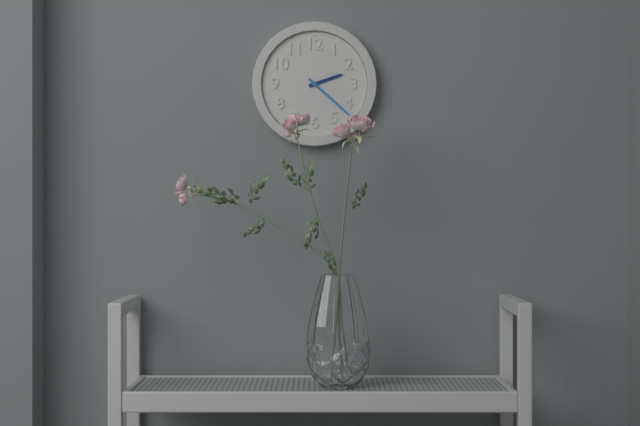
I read 2.22
